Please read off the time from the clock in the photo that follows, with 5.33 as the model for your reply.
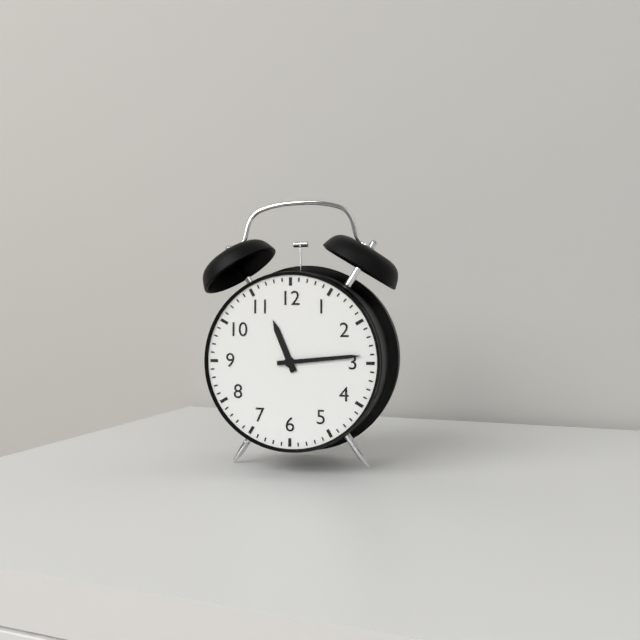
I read 11.14
